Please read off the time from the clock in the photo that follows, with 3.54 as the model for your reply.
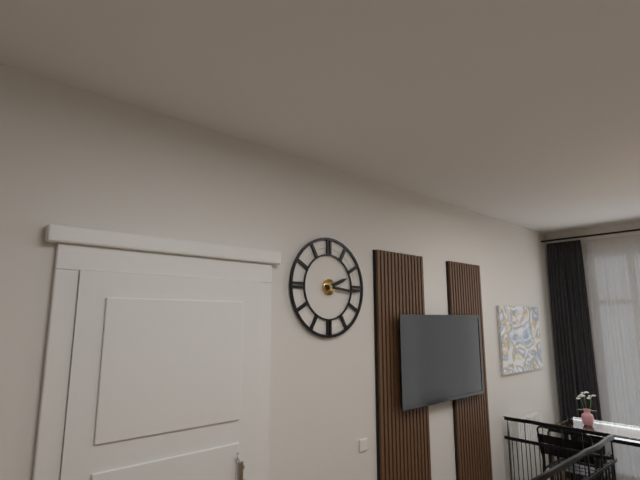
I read 2.16
